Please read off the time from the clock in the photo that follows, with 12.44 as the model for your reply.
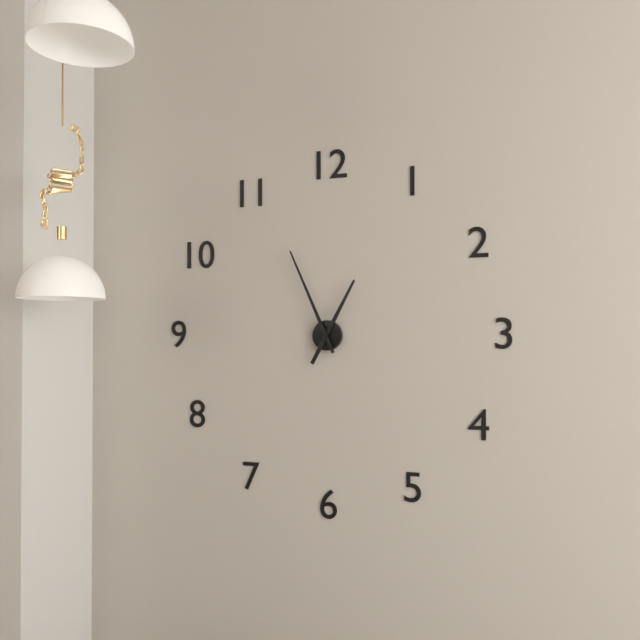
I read 12.56
